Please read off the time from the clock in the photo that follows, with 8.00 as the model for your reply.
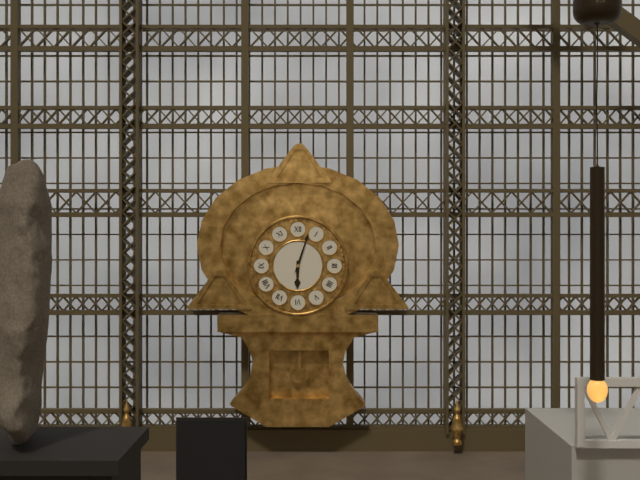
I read 6.03
